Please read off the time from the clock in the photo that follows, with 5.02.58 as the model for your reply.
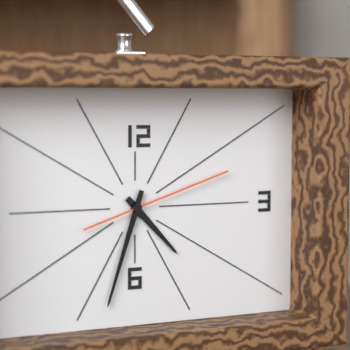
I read 4.33.12
